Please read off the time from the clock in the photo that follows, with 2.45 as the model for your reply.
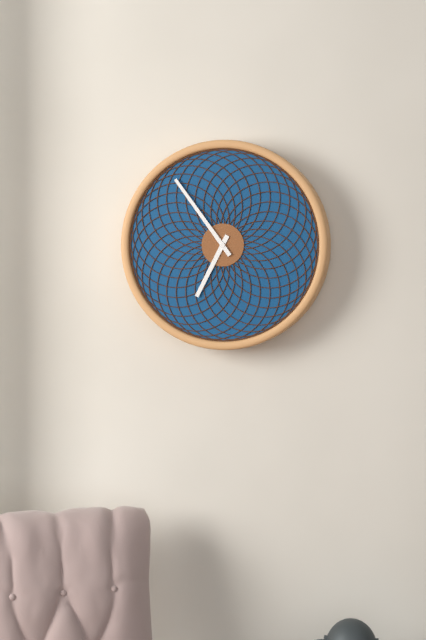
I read 6.54
